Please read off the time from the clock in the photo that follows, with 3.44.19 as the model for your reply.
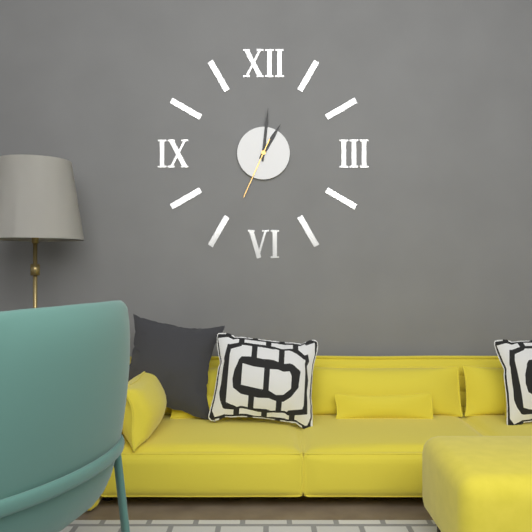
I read 1.01.34
